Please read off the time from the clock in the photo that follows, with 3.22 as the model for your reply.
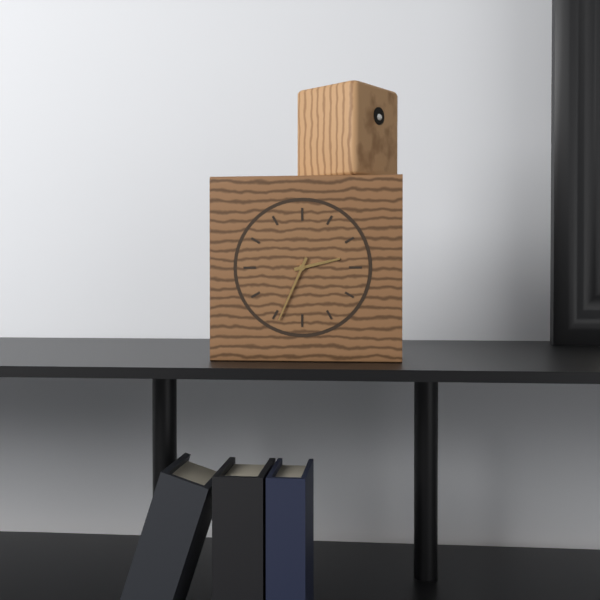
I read 2.34
